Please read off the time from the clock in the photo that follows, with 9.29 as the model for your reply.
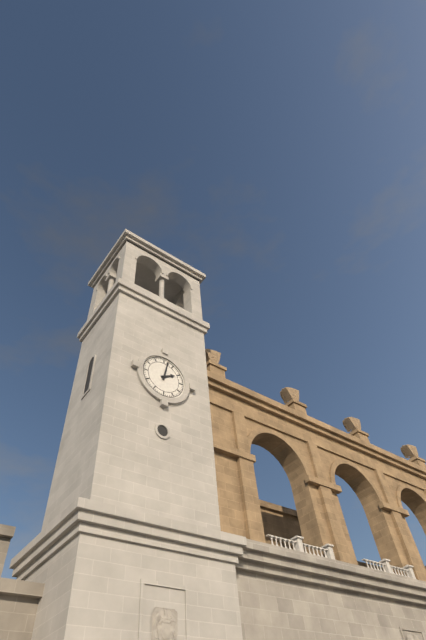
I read 2.02
